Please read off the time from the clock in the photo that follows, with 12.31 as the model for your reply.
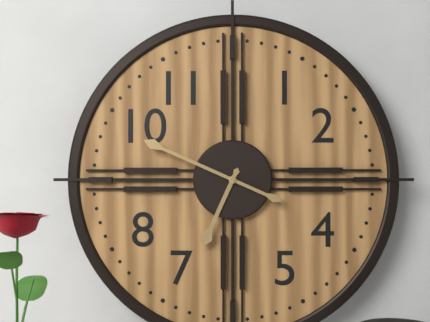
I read 6.49
